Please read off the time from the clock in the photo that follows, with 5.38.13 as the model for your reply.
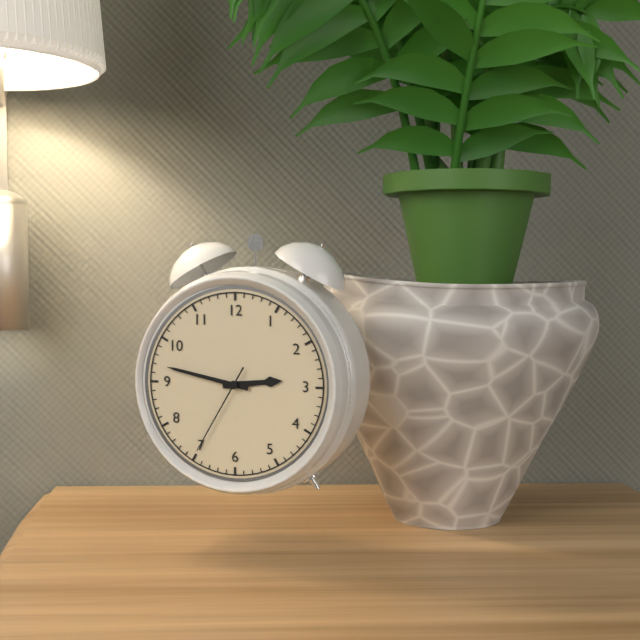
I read 2.47.35
